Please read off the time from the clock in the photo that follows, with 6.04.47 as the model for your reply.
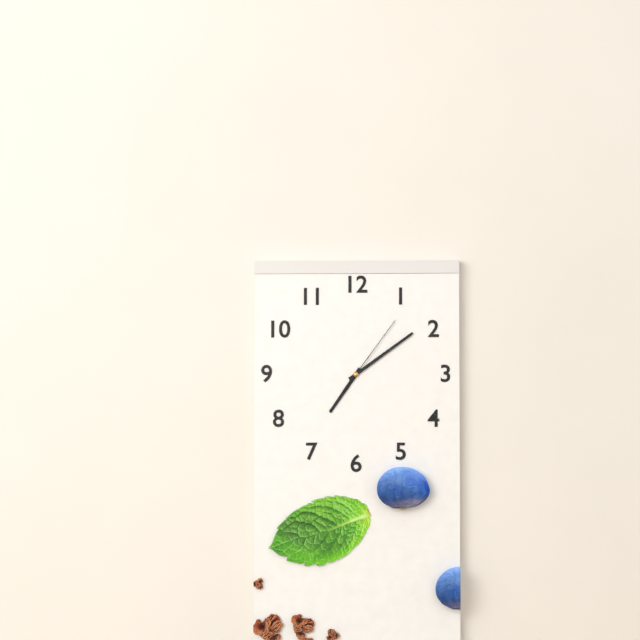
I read 7.09.06
